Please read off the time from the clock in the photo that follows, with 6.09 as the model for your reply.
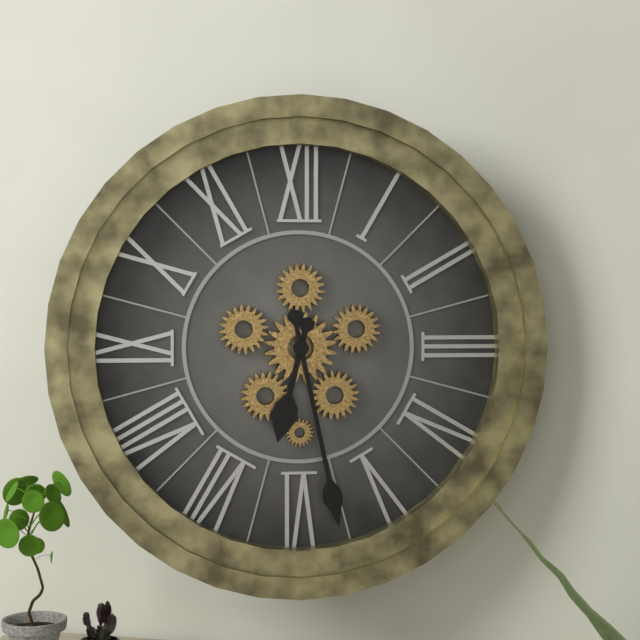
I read 6.28
